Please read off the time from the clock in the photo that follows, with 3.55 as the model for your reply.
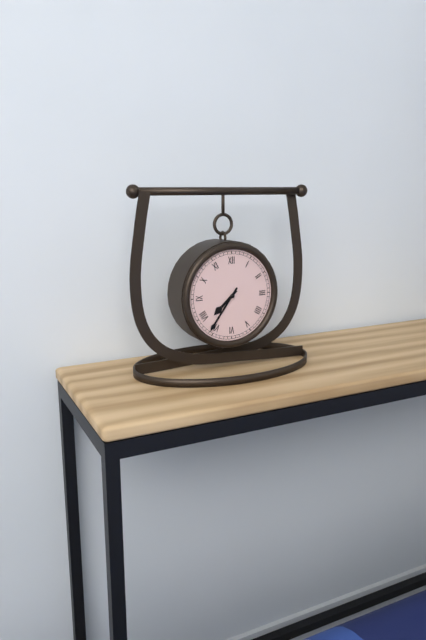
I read 7.36
